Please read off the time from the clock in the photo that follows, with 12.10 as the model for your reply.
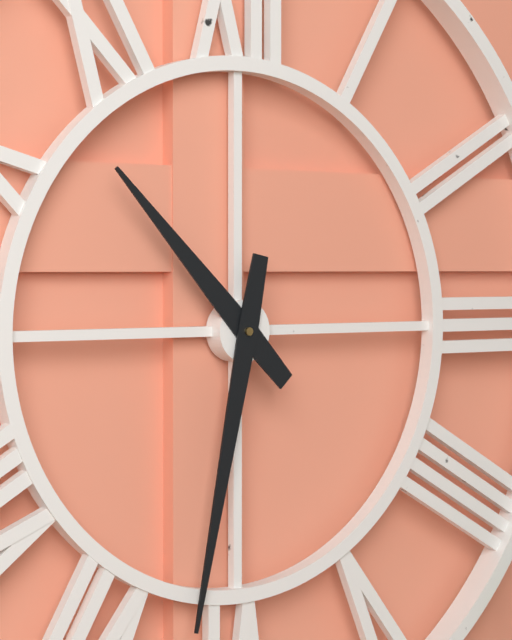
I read 10.32
